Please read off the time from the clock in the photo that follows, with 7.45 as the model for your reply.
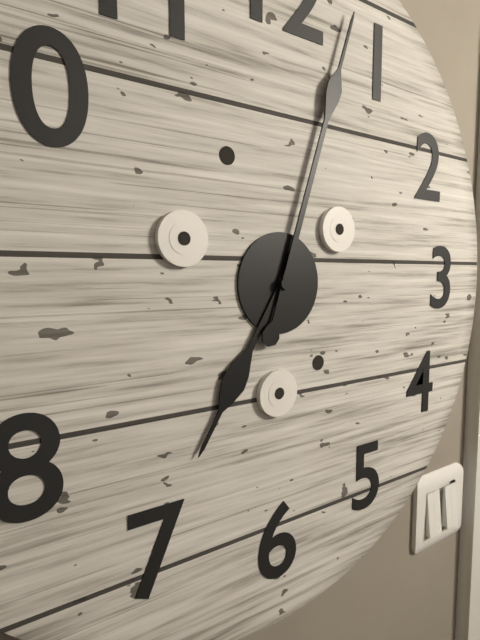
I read 7.03
